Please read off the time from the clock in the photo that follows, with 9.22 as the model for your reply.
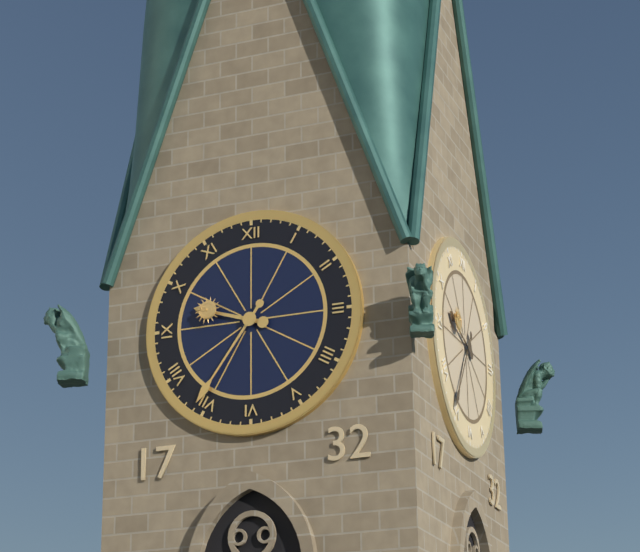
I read 9.36
